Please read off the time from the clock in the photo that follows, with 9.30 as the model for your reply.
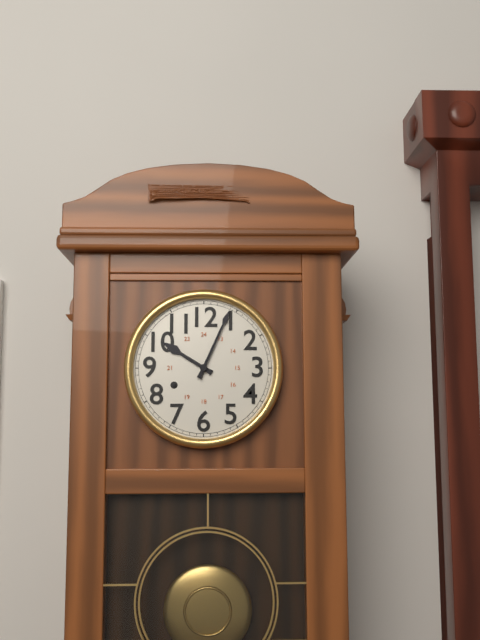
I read 10.04
